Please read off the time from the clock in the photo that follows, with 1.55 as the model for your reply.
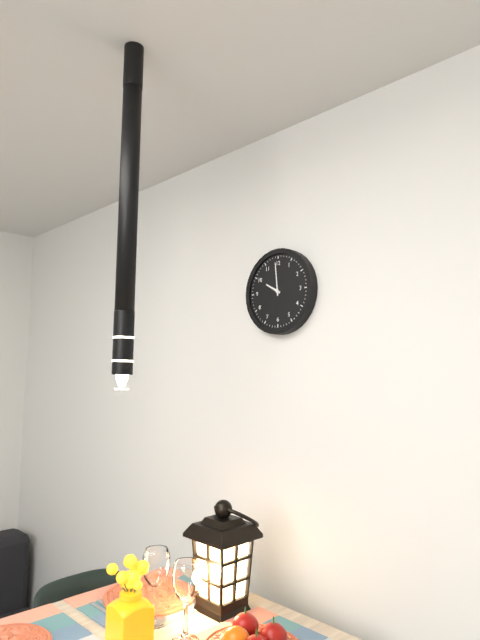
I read 9.59
